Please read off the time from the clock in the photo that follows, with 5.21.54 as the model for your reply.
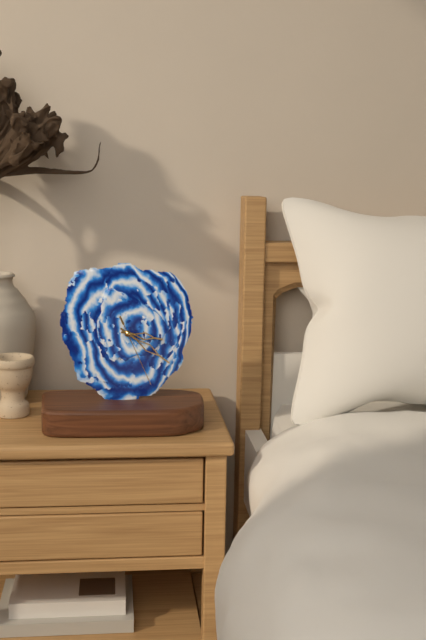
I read 3.21.26
